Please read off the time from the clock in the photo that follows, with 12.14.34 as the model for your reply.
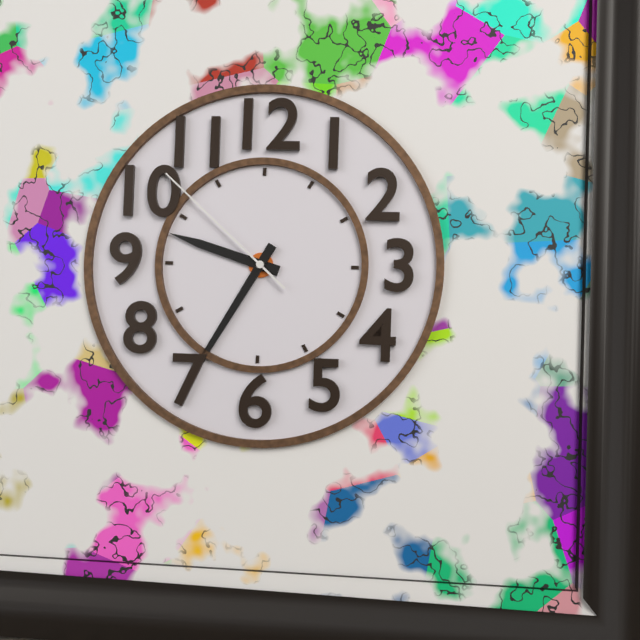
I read 9.35.52
